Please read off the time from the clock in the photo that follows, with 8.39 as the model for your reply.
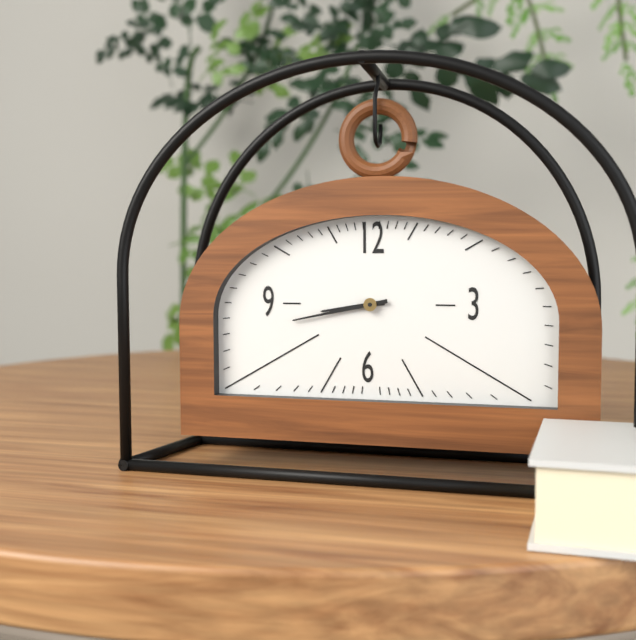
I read 8.43
